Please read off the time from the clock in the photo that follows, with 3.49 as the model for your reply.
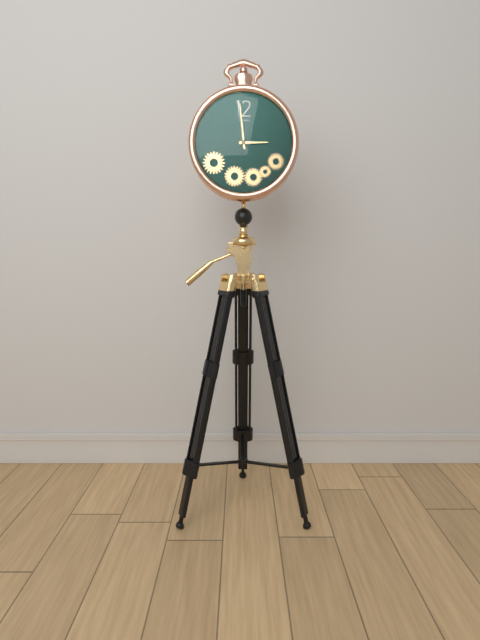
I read 2.59
